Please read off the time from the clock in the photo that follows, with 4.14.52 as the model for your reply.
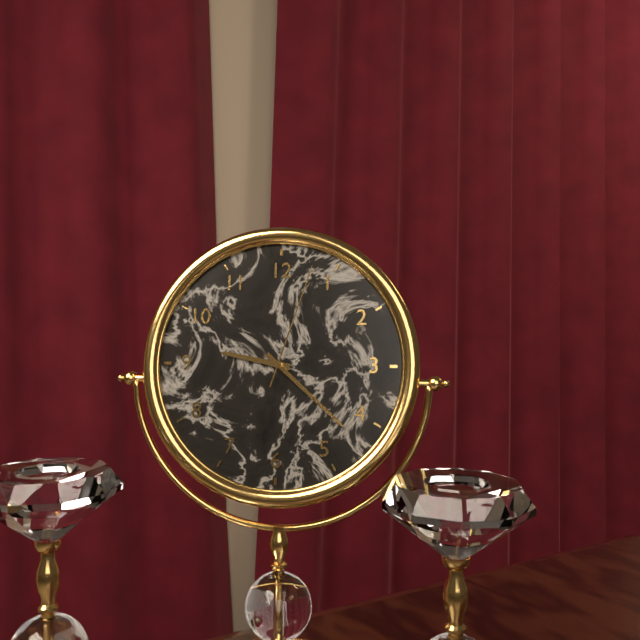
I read 9.22.03
